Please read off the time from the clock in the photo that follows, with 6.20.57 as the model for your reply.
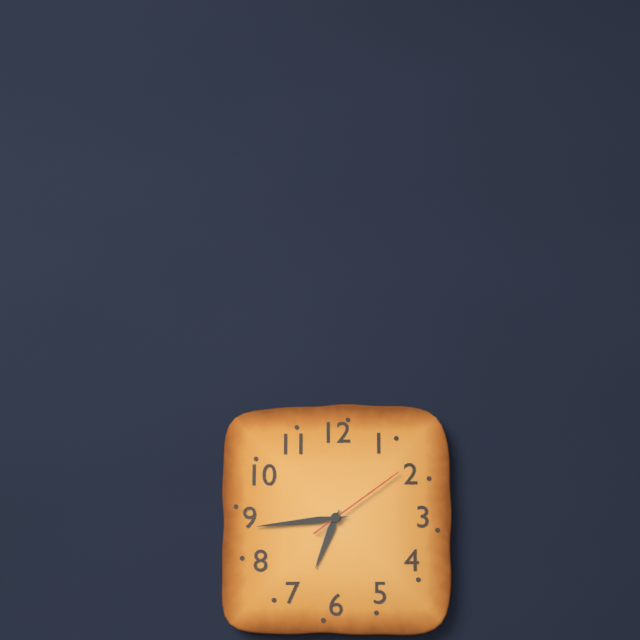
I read 6.44.09
